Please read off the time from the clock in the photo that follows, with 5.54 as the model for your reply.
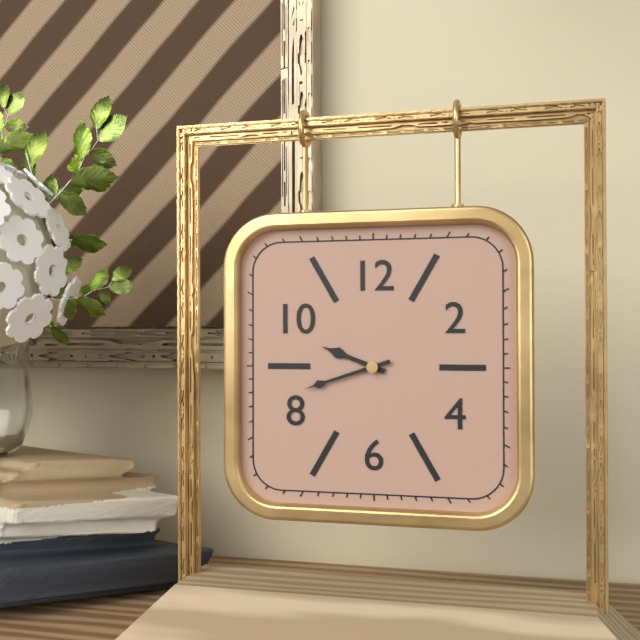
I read 9.42
